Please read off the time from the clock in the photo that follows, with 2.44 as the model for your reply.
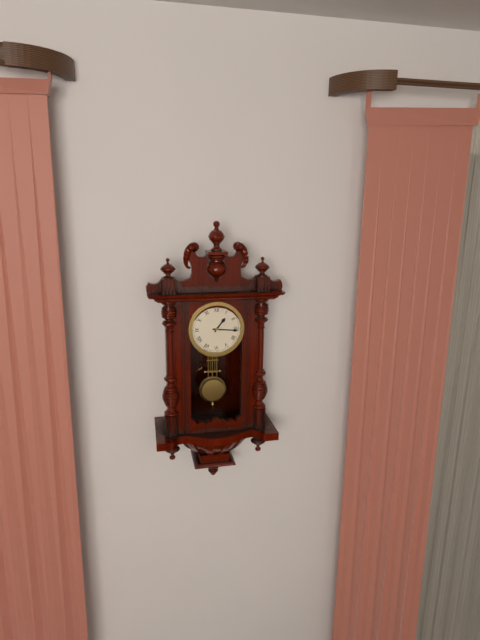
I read 1.16
